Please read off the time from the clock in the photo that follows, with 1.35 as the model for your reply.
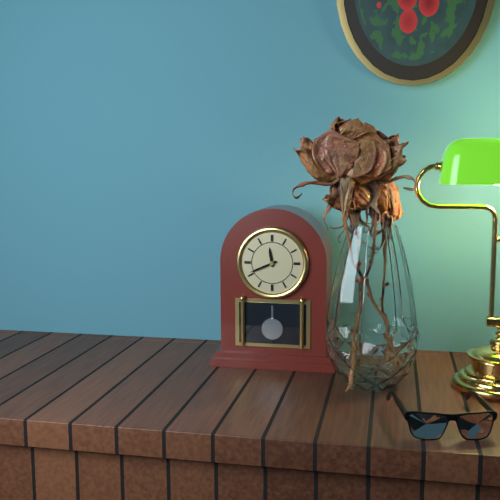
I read 11.41
